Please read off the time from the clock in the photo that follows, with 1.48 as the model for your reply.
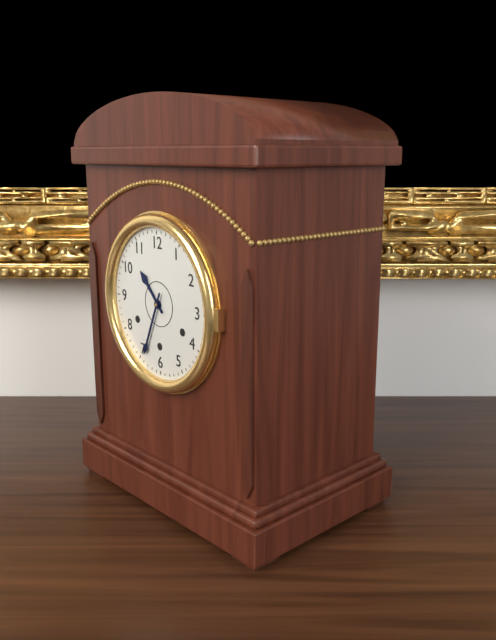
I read 10.34
